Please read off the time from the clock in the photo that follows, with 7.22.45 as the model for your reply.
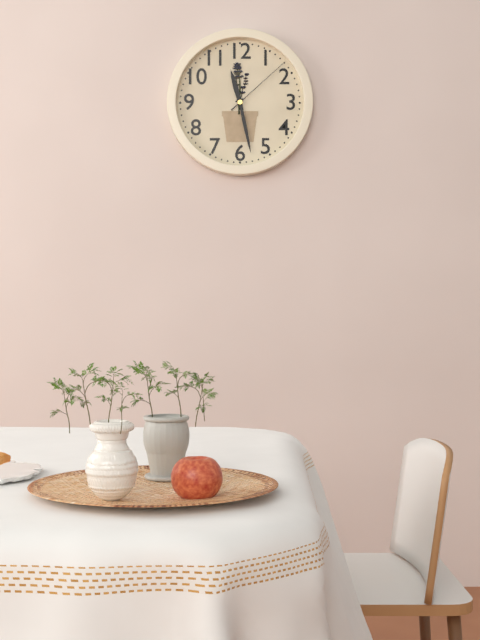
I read 11.28.08
